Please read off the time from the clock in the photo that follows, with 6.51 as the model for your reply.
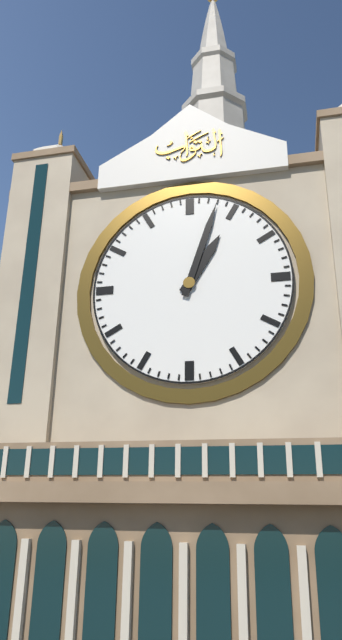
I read 1.03
